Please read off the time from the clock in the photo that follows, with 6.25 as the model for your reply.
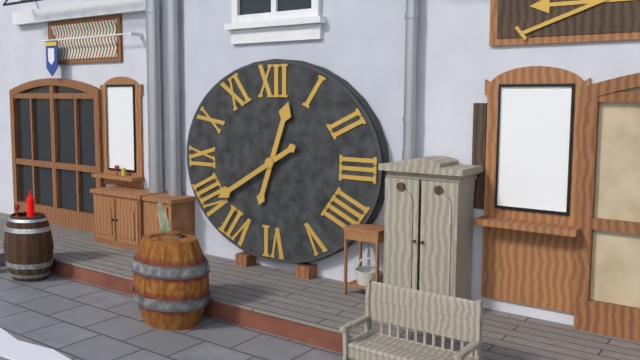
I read 12.40
